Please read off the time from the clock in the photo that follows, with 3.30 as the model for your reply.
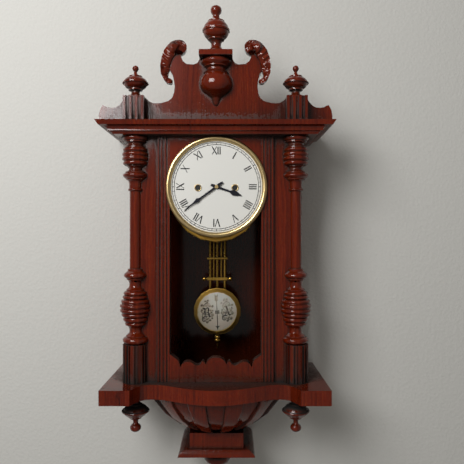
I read 3.39
